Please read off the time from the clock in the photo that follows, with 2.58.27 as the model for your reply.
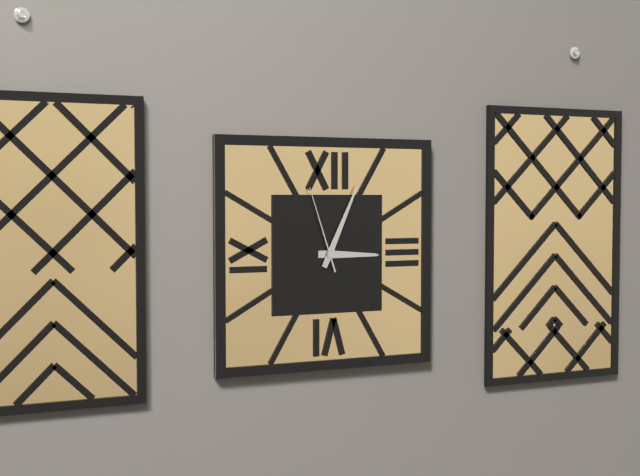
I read 3.04.57
